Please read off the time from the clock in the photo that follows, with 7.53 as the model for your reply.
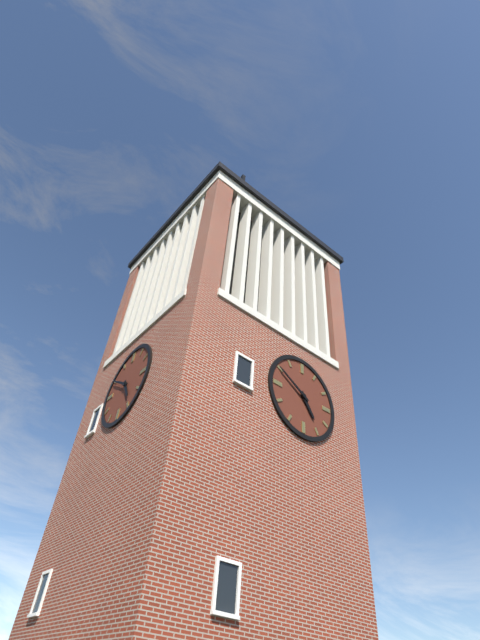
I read 4.50
